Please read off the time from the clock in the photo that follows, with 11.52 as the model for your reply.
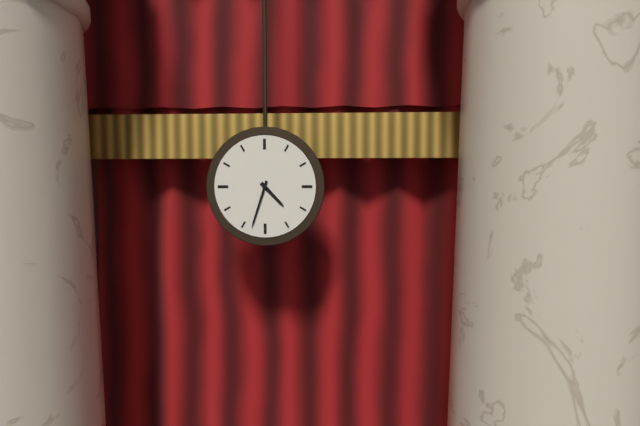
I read 4.33
